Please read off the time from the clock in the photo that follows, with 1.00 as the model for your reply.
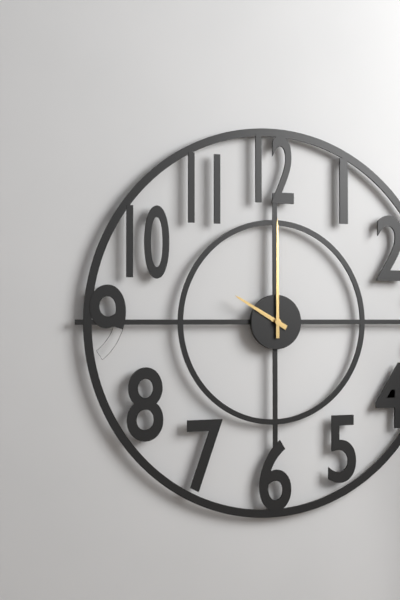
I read 10.00
